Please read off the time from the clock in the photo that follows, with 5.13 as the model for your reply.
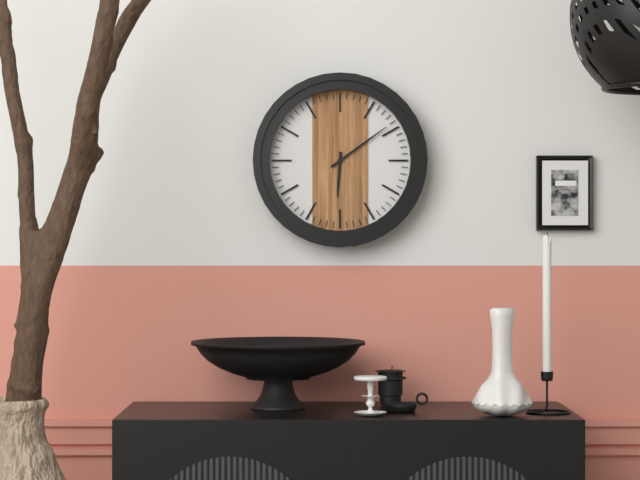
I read 6.09
